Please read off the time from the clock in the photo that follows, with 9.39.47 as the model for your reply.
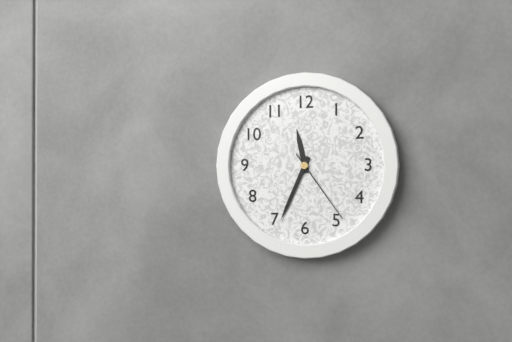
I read 11.34.24
